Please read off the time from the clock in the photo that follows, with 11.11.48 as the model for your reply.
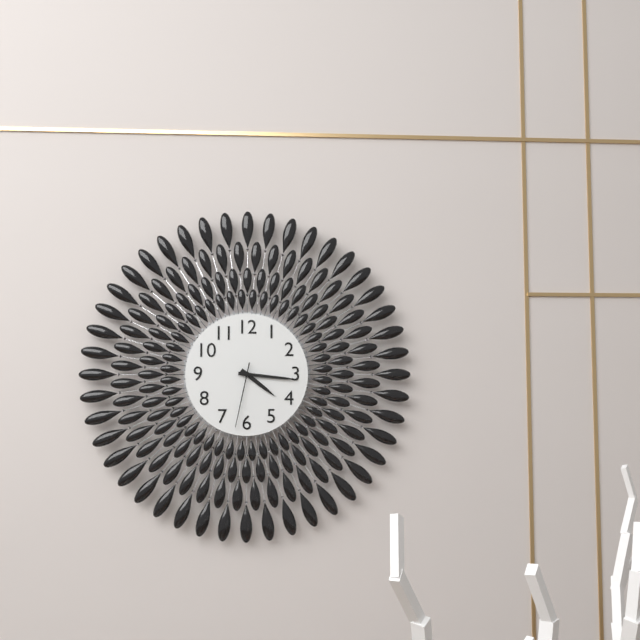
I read 4.16.32
